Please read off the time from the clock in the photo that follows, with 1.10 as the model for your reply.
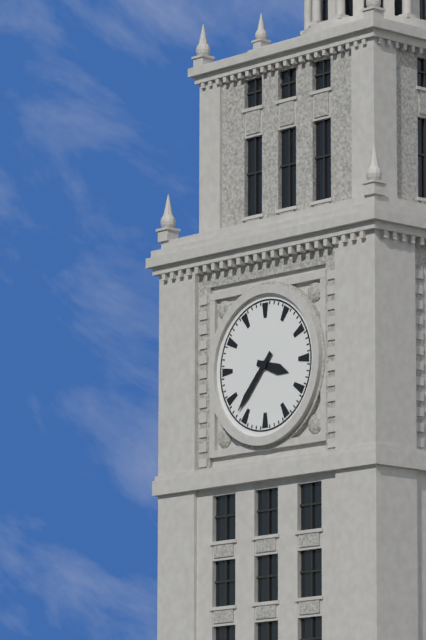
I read 3.37
